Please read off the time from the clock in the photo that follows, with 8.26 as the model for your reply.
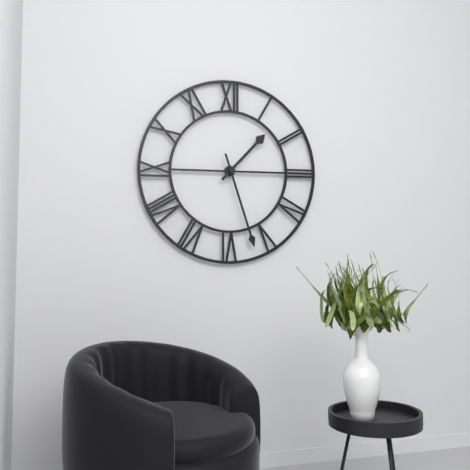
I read 1.27
